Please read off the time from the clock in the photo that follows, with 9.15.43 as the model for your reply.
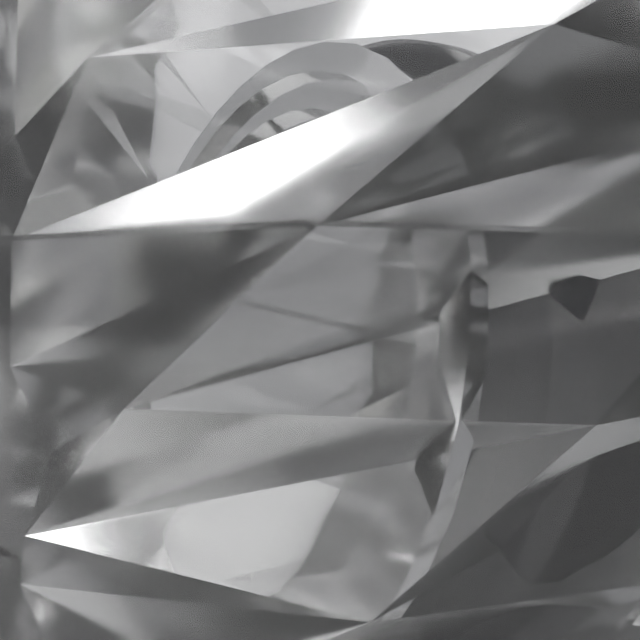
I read 5.17.23
